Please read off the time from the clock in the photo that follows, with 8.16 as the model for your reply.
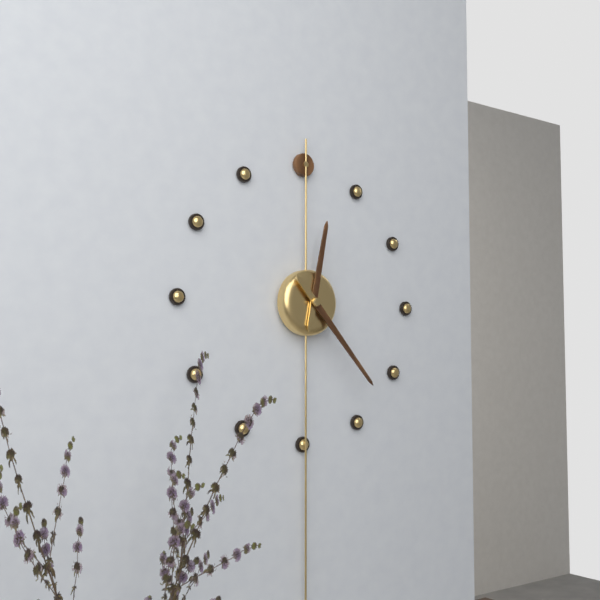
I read 12.23
